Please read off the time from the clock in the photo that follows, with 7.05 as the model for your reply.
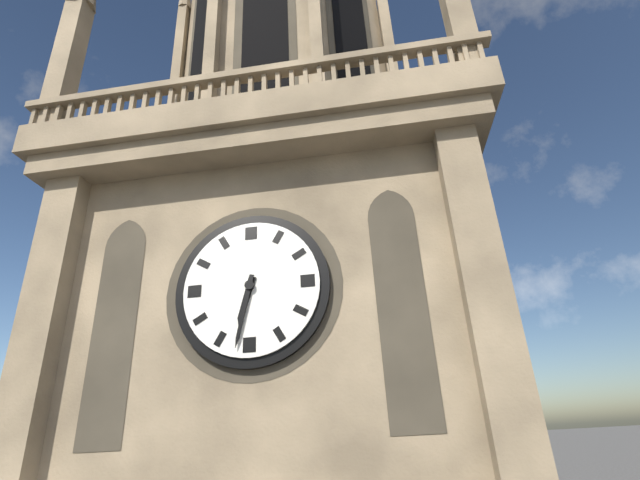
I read 6.32
